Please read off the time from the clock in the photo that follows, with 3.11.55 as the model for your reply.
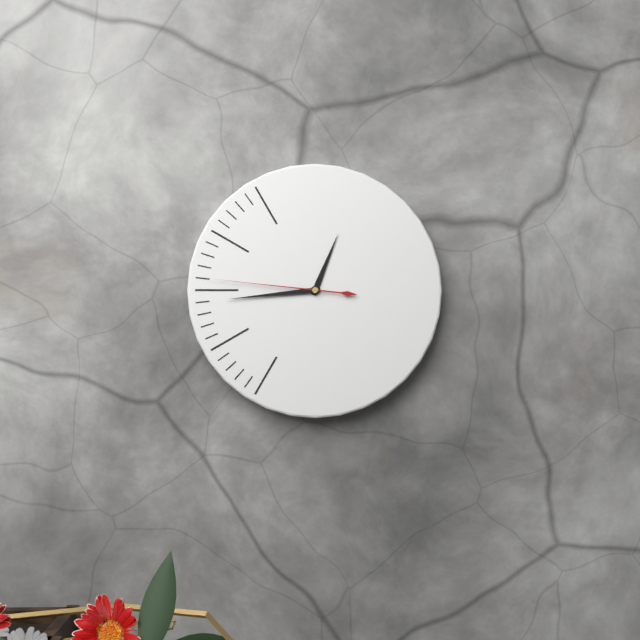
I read 12.44.46
